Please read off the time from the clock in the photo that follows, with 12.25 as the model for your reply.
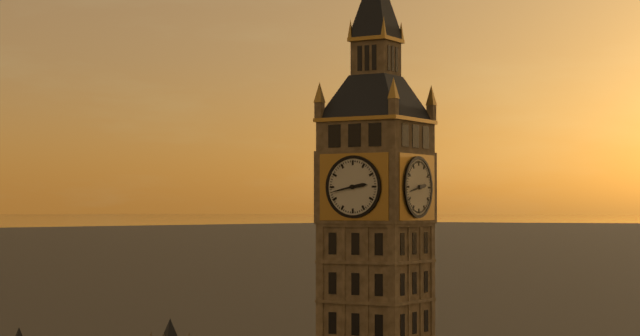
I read 2.43
